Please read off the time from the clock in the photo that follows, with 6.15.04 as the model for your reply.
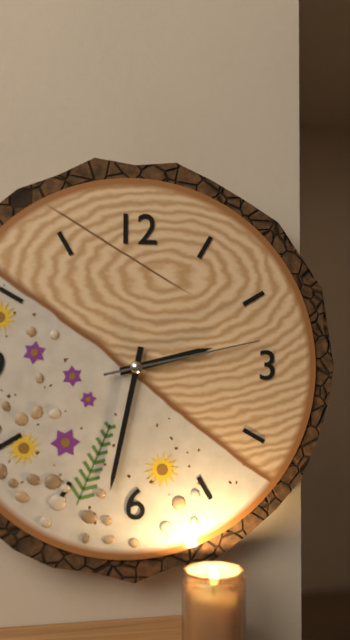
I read 2.32.13
